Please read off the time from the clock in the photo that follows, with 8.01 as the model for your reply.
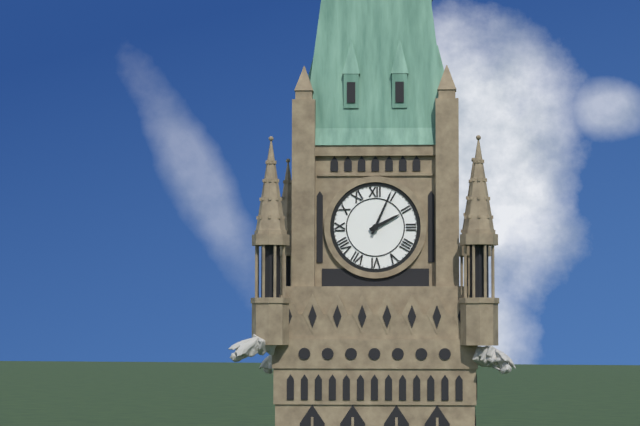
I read 2.04
